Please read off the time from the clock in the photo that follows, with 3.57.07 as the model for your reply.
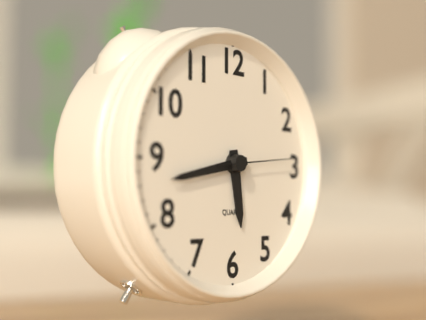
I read 5.43.14
